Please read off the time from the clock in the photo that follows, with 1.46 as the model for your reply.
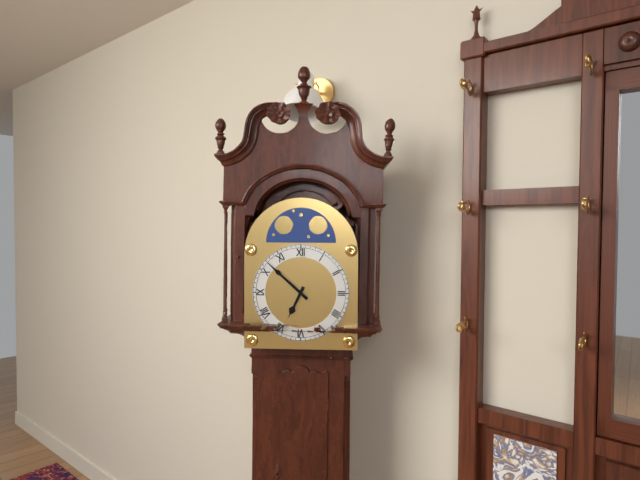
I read 6.52
